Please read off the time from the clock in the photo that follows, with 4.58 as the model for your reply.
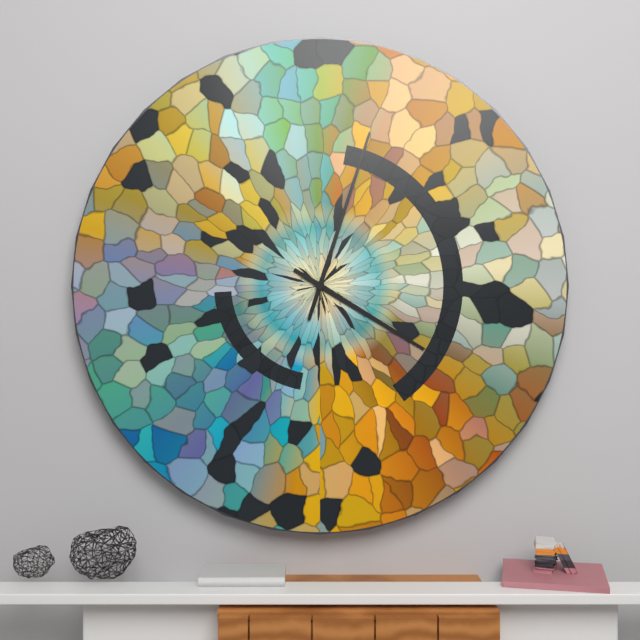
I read 4.03
